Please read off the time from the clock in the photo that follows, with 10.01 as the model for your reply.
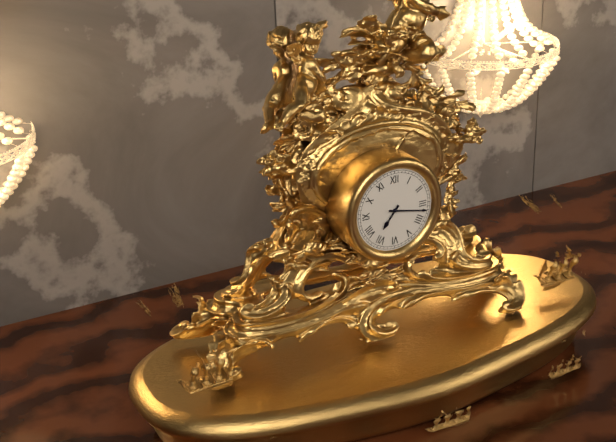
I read 7.17
